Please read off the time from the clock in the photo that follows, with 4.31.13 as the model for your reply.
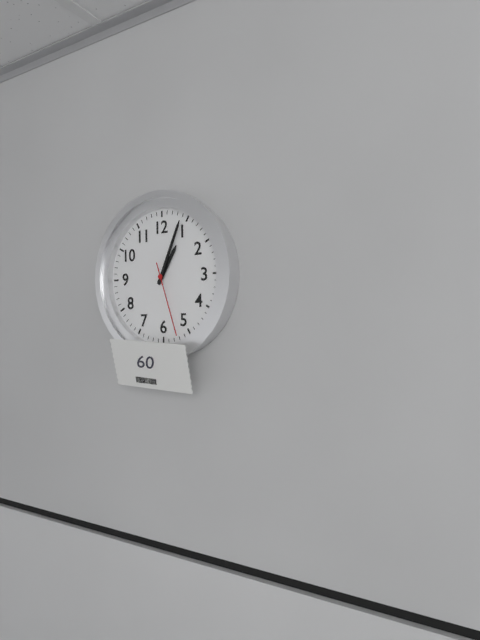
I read 1.04.27
